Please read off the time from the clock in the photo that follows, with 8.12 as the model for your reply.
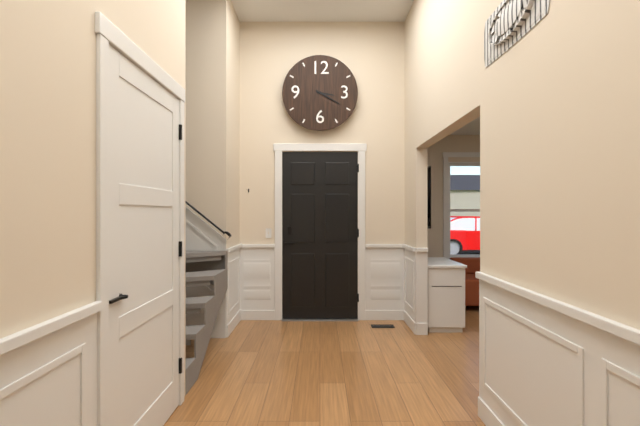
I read 3.20
